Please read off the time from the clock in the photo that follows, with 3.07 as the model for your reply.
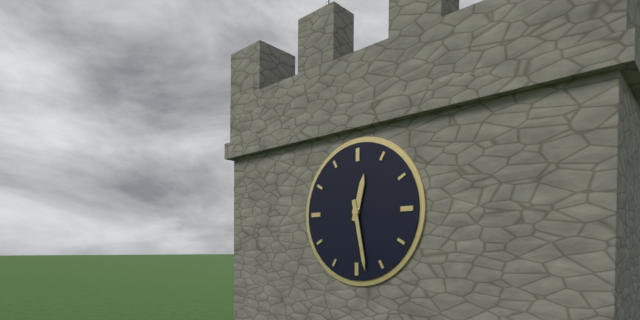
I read 12.28
